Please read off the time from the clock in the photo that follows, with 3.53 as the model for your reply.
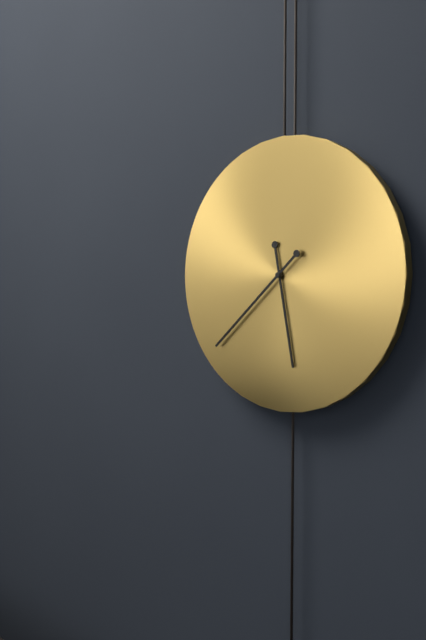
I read 5.38
